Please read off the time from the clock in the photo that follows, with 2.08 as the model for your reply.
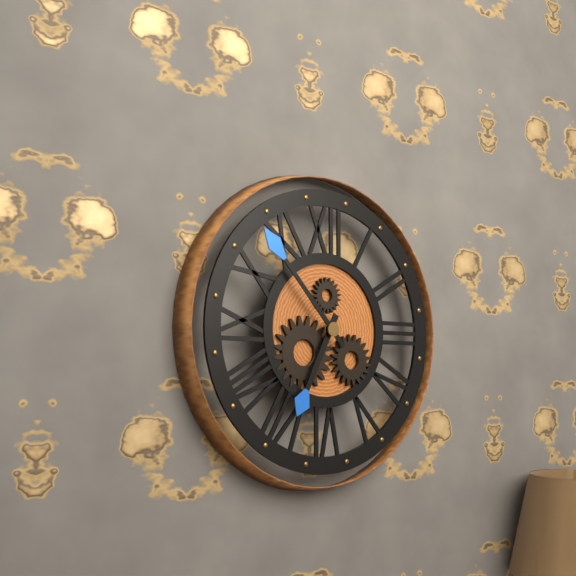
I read 6.53
